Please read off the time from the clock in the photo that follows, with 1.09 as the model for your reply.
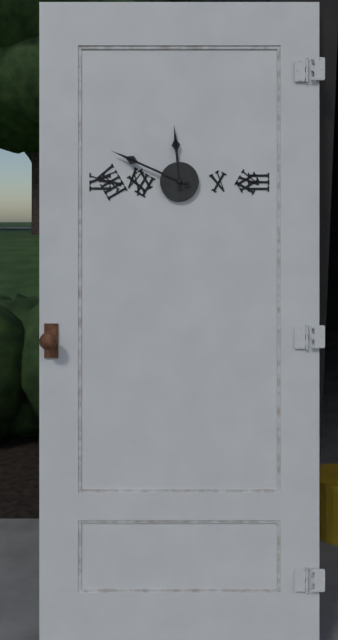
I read 11.49
